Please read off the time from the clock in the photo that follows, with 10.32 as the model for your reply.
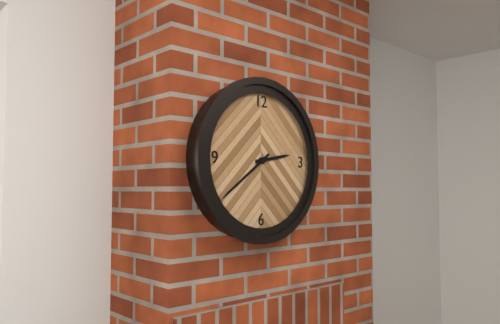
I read 2.39
